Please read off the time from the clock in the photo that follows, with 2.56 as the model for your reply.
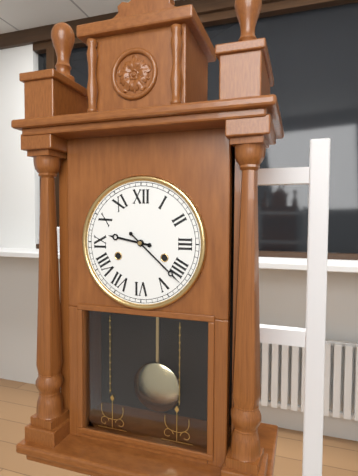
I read 9.22
